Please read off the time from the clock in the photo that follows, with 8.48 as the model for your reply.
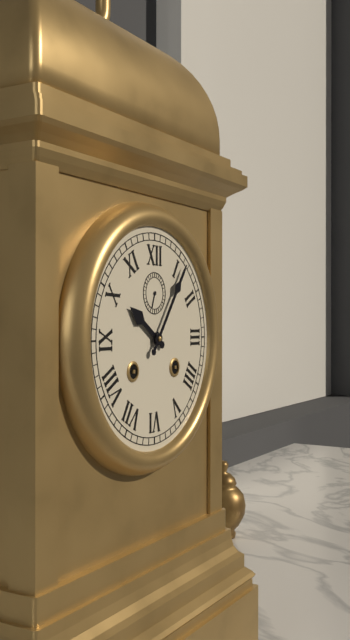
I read 10.06
